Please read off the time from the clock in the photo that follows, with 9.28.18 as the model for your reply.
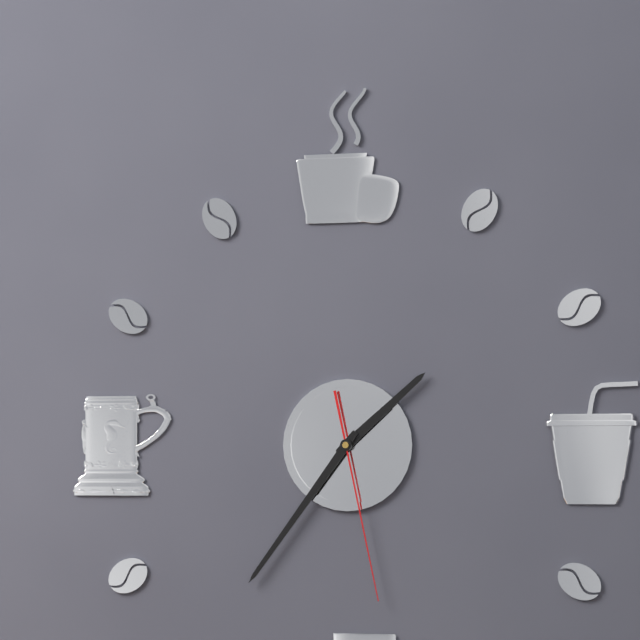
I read 1.36.28
